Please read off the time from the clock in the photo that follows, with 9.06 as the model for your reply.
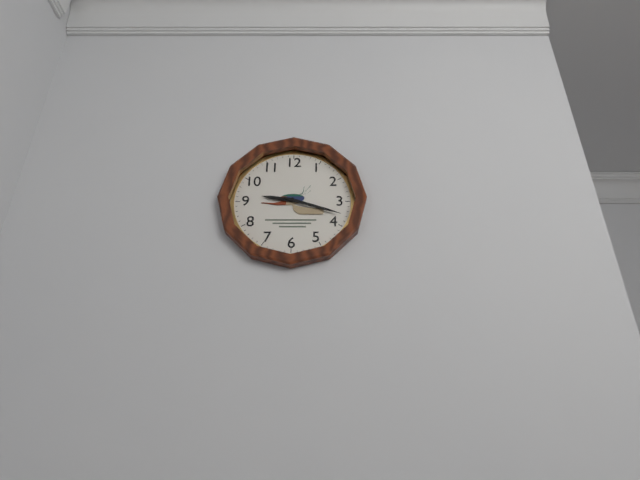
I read 9.18
